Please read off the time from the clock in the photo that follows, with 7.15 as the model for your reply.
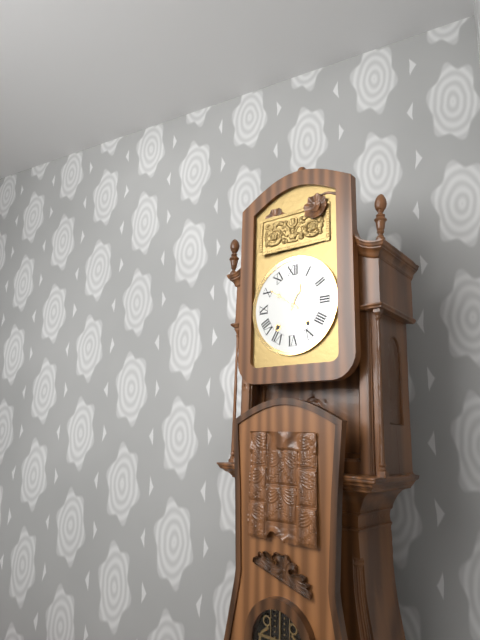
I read 12.51
